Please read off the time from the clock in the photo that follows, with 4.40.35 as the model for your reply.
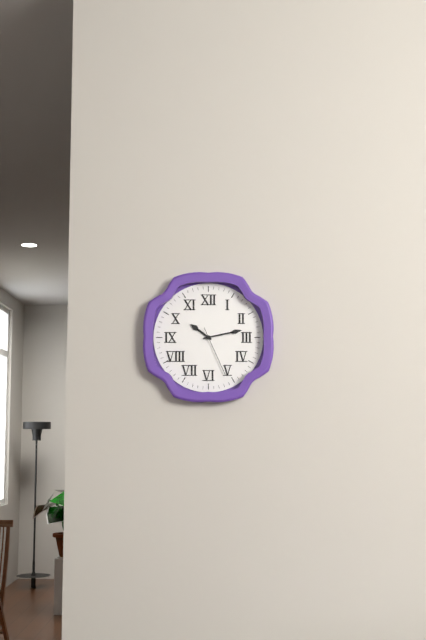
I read 10.13.26
